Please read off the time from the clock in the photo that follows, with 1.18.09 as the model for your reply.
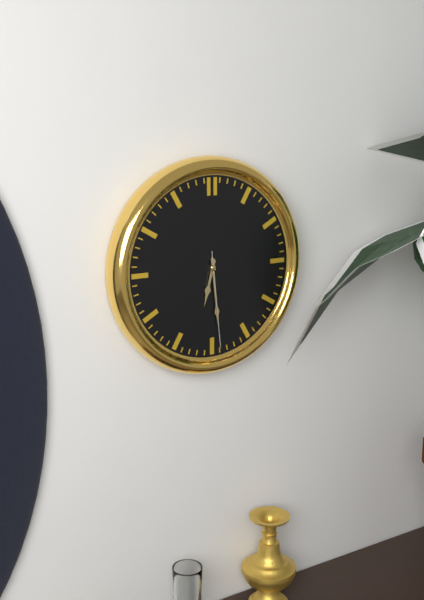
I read 6.29.29
